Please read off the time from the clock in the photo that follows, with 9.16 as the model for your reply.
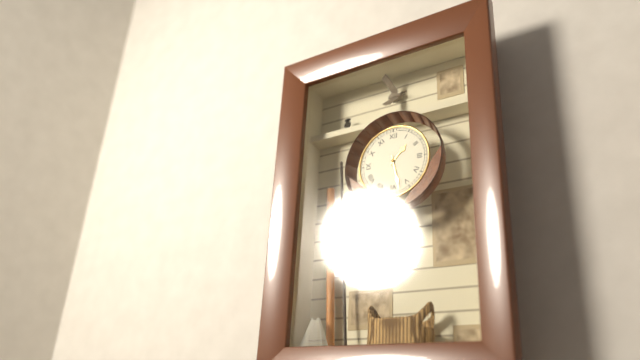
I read 1.28
